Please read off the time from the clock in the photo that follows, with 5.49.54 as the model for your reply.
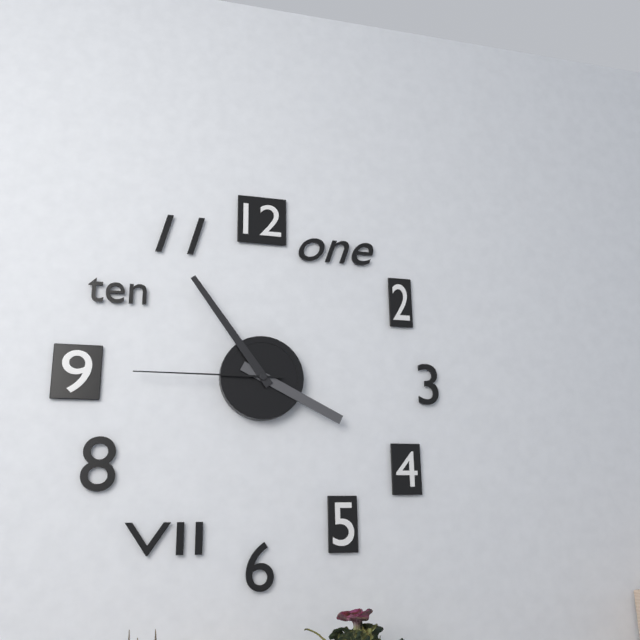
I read 3.54.45
